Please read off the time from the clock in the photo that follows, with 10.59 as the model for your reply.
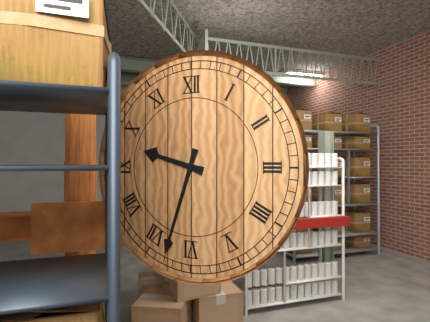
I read 9.33
